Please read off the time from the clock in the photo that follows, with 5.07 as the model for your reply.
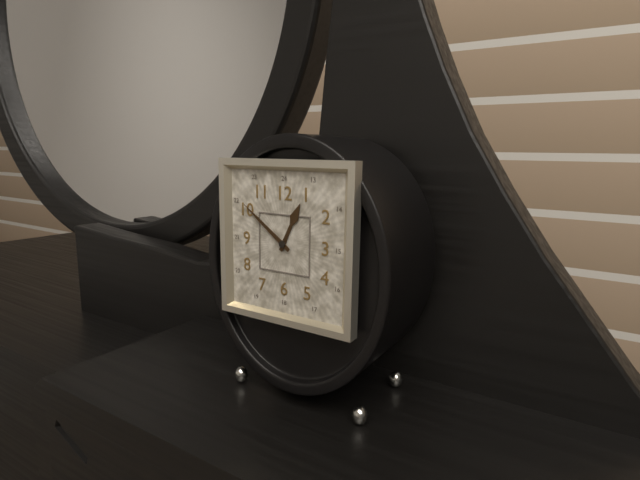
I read 12.51
